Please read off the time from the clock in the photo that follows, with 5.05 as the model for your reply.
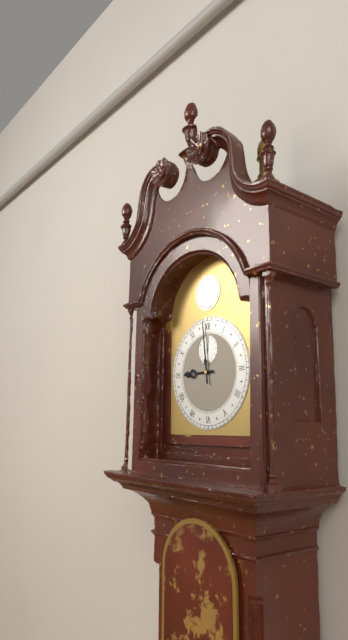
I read 8.59
